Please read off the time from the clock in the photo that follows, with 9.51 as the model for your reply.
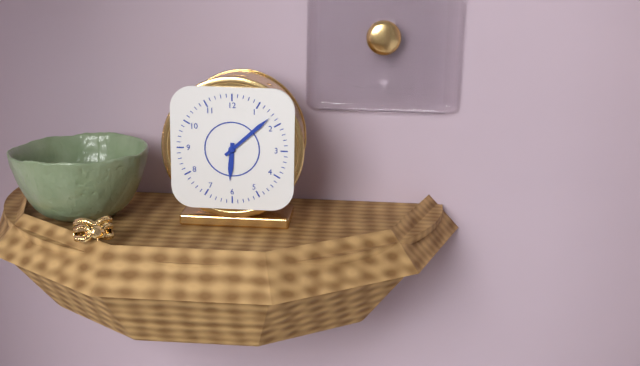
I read 6.08
